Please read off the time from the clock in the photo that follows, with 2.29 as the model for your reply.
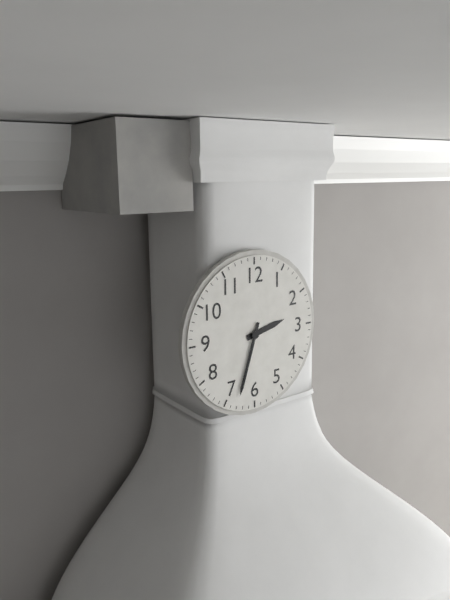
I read 2.33
